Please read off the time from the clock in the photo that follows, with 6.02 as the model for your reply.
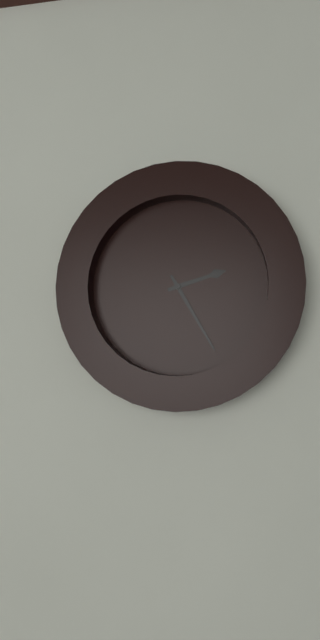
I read 2.25
